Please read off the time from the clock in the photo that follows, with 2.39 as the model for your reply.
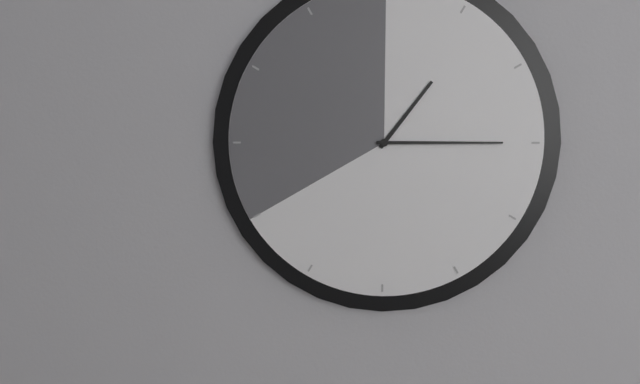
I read 1.15
